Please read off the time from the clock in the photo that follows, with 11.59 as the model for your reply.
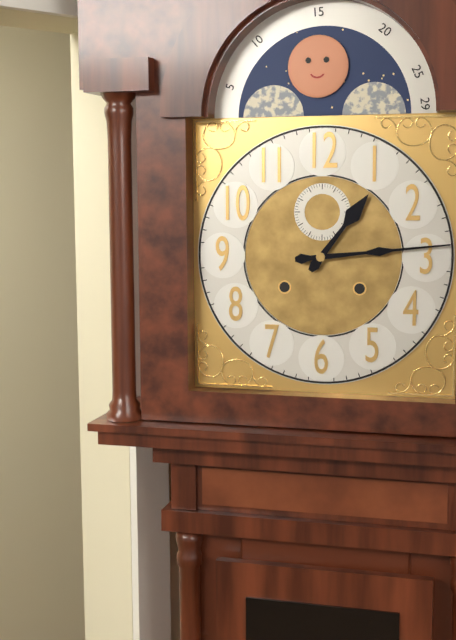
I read 1.14
